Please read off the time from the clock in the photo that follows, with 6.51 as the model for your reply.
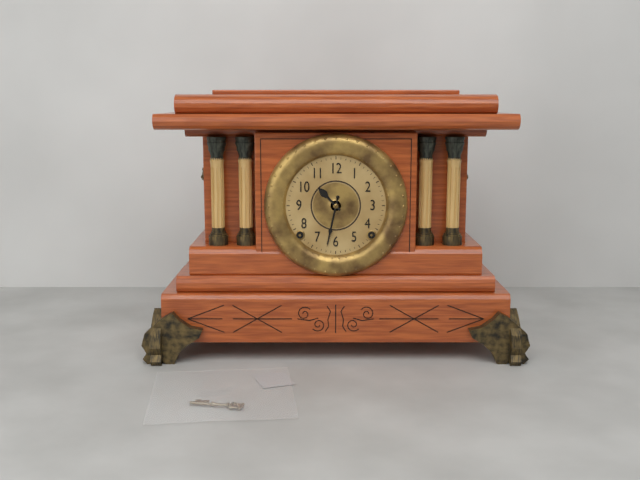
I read 10.32
